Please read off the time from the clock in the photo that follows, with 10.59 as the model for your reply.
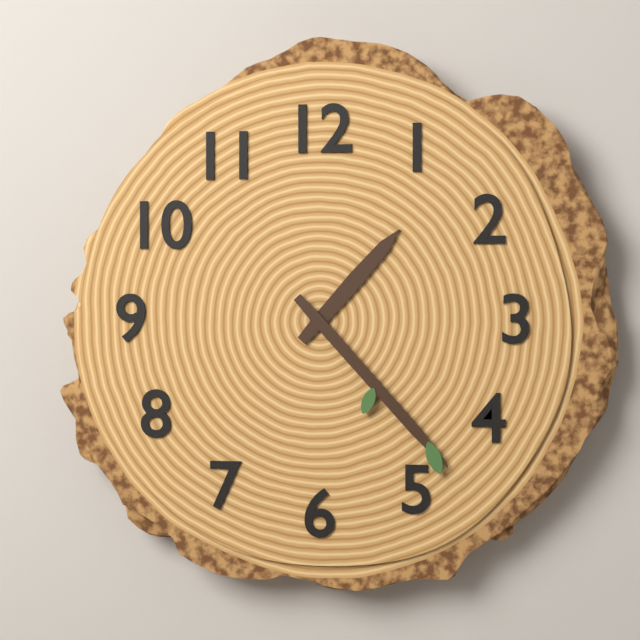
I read 1.23
